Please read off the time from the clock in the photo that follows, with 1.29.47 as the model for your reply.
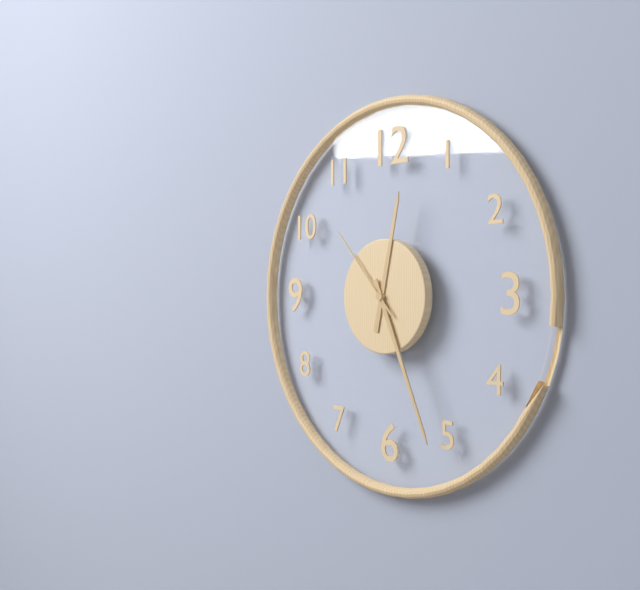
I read 12.26.53
